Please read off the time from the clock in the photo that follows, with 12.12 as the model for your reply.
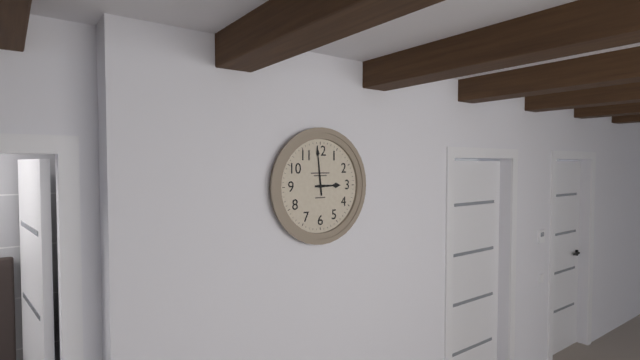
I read 2.59
